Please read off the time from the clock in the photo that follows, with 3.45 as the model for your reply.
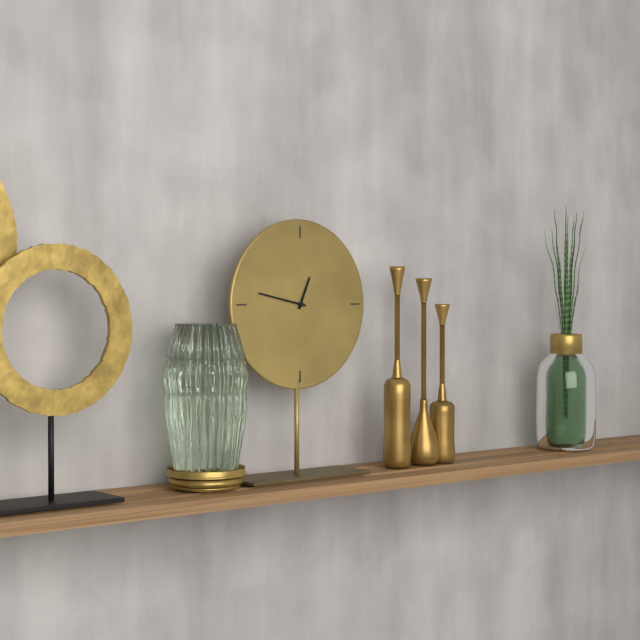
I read 12.47
